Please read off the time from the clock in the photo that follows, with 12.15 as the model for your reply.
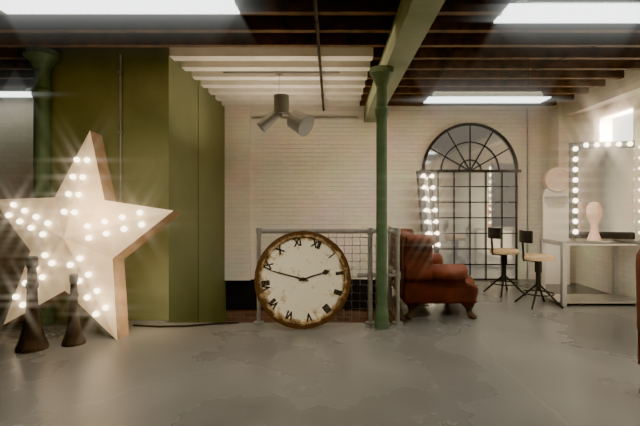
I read 1.44
